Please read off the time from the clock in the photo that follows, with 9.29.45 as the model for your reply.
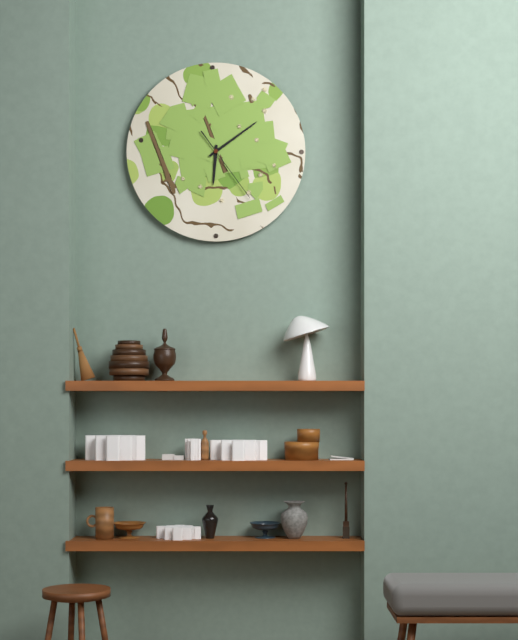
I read 6.09.24
